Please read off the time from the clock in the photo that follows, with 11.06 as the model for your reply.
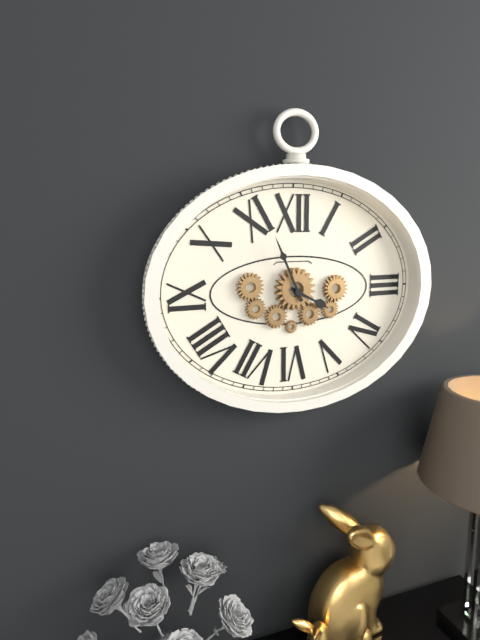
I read 3.56
